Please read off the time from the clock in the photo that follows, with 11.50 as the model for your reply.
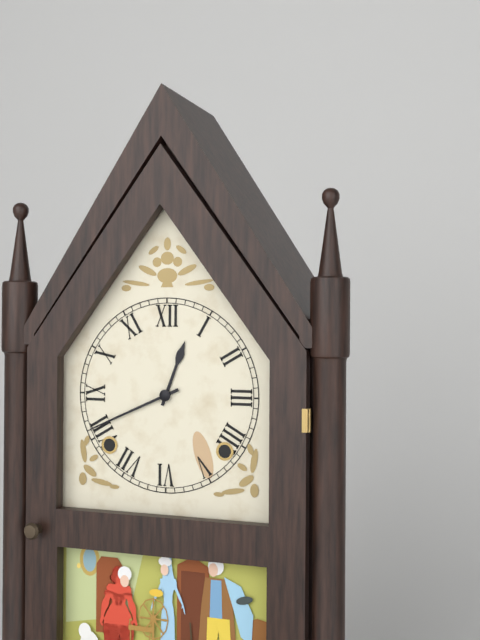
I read 12.41
